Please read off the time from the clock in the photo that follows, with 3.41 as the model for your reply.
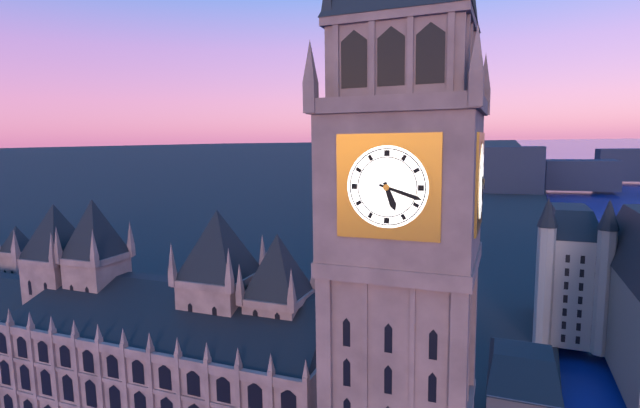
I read 5.18
